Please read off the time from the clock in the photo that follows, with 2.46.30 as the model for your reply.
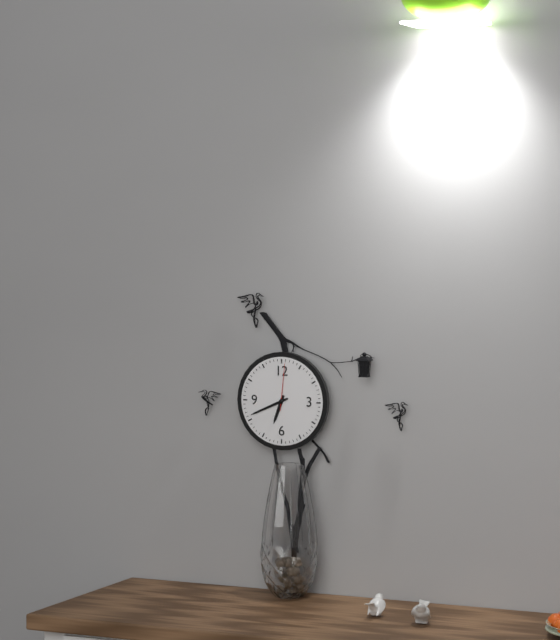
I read 6.41.01
